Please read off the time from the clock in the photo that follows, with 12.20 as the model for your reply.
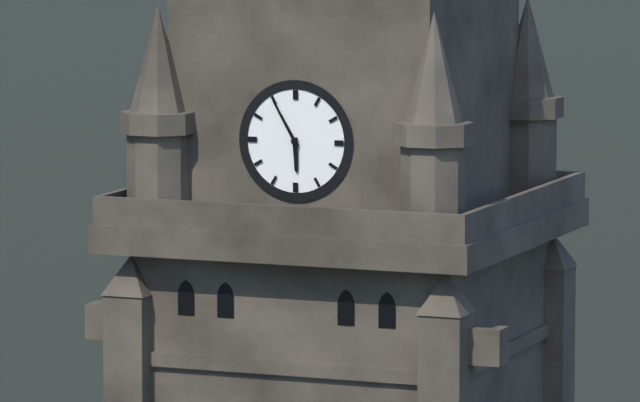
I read 5.55
